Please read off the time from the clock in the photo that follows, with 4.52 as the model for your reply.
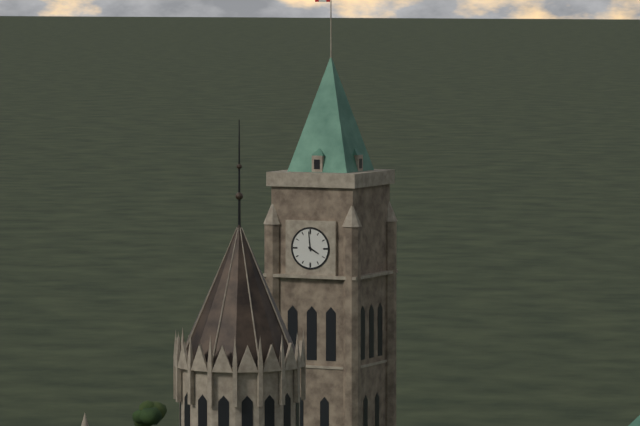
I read 3.59
